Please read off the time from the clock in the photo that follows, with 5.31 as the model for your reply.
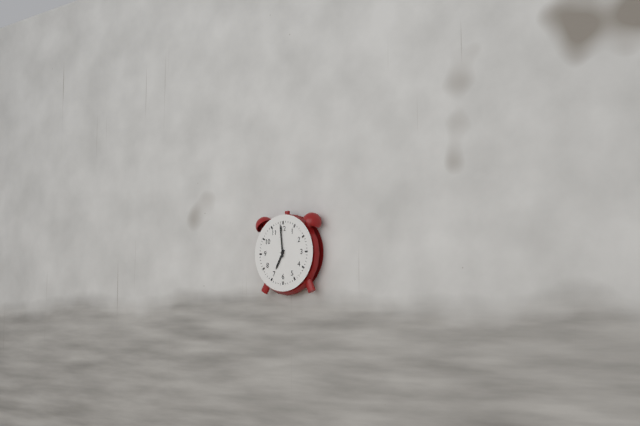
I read 6.59
